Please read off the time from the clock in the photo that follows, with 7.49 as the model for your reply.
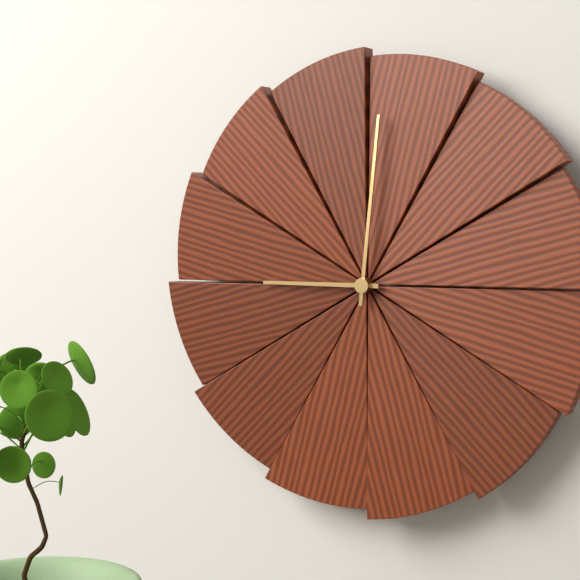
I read 9.01
